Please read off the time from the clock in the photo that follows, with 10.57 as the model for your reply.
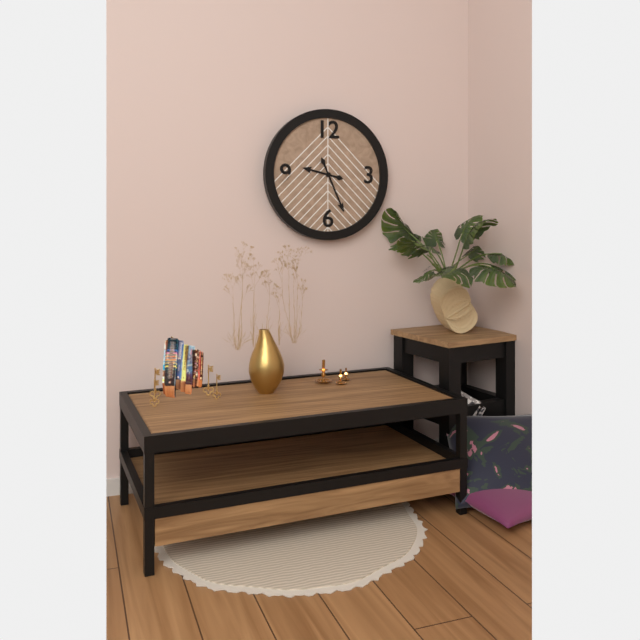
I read 9.26
